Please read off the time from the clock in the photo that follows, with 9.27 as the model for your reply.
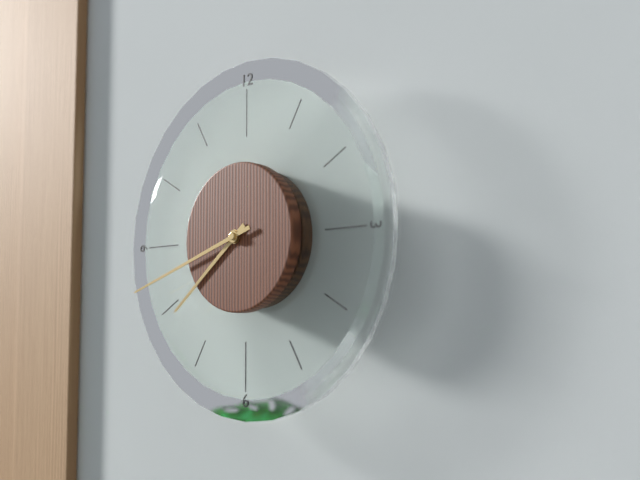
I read 7.42
